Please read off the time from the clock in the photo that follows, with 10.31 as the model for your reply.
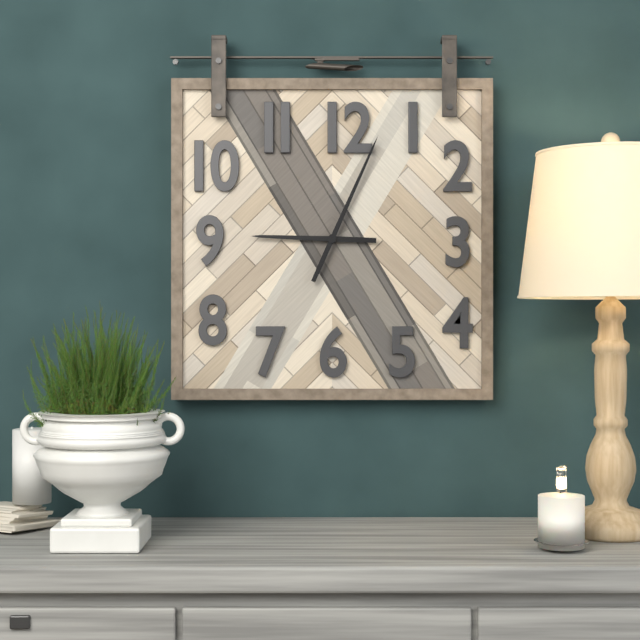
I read 9.04
